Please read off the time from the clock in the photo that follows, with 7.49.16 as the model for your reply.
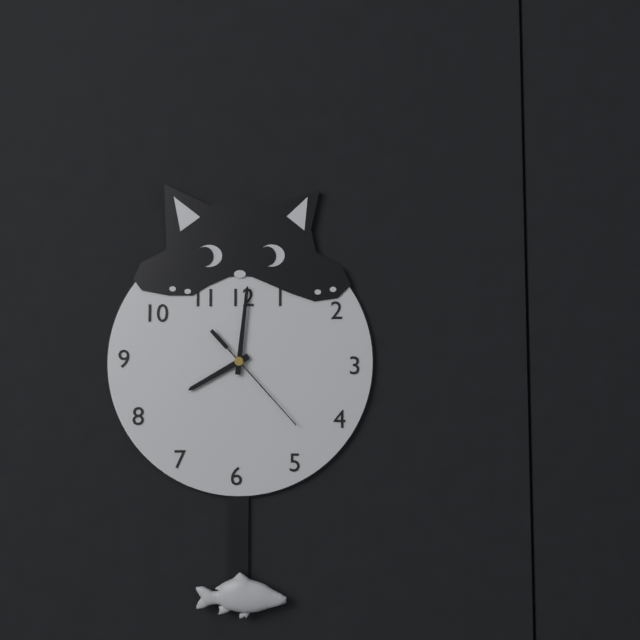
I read 8.01.23
